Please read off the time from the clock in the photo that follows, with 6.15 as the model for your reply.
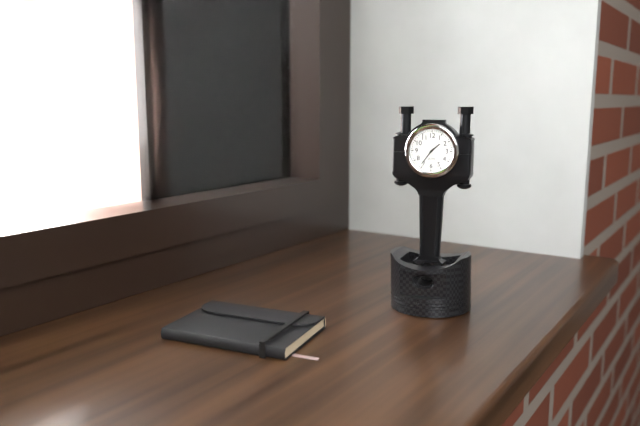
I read 1.36
